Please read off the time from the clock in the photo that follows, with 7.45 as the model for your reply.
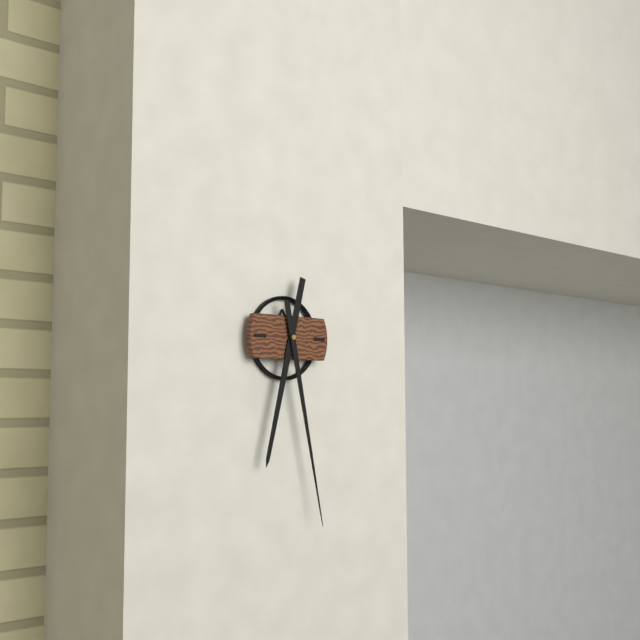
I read 6.28
